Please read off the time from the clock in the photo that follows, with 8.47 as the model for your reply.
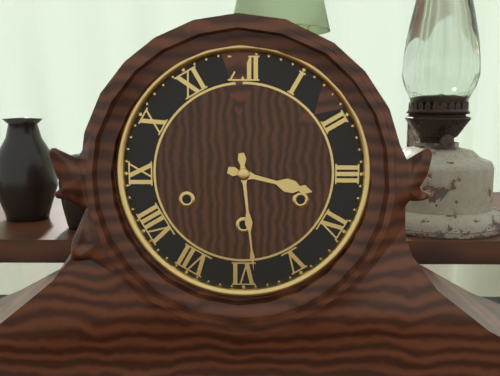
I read 3.29
